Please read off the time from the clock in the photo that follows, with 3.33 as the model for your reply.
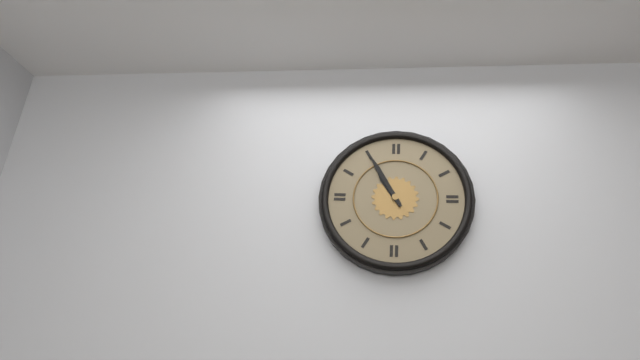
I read 10.55
